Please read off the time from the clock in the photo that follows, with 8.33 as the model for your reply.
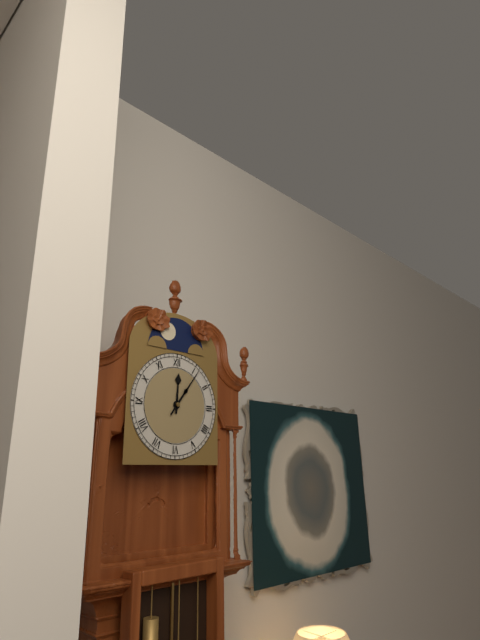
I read 12.06
